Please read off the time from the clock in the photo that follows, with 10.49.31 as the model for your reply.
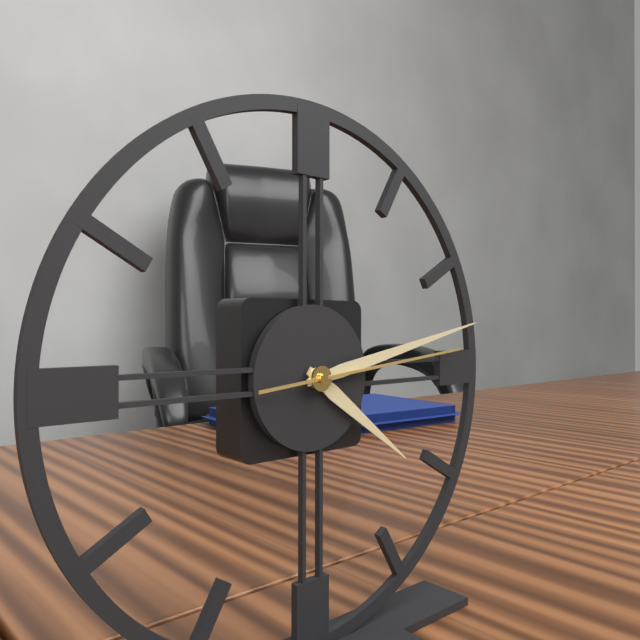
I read 4.13.14
